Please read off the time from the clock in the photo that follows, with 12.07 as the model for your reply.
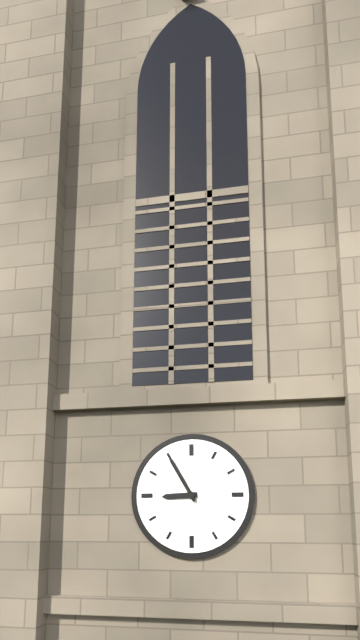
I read 8.55
